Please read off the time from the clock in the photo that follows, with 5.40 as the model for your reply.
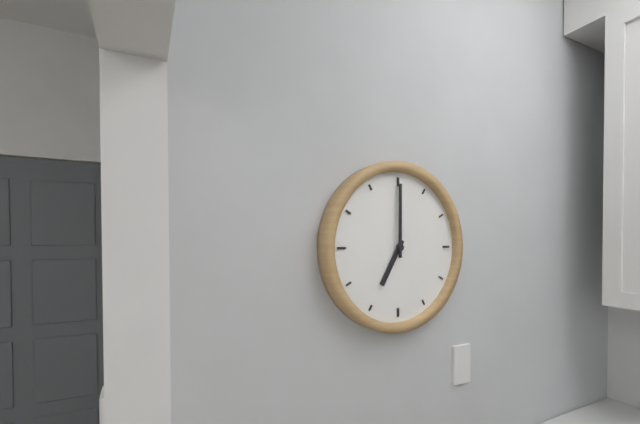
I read 7.00
